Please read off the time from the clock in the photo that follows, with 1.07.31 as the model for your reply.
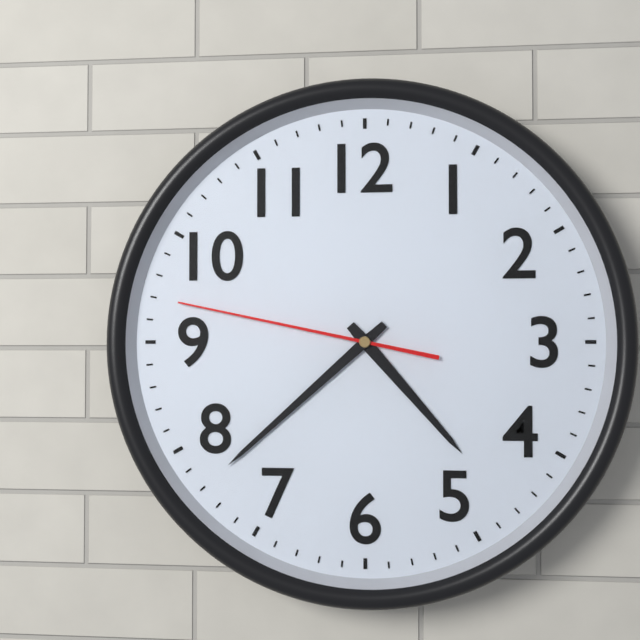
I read 4.38.47
